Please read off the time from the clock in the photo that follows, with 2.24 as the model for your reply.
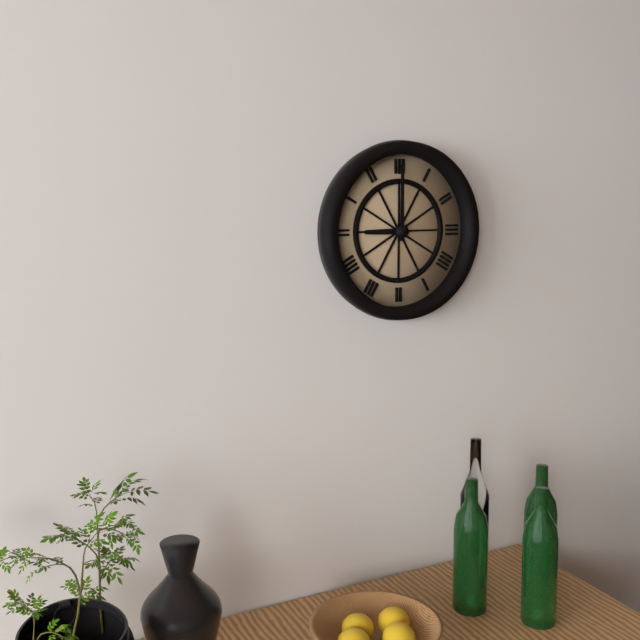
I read 9.00
